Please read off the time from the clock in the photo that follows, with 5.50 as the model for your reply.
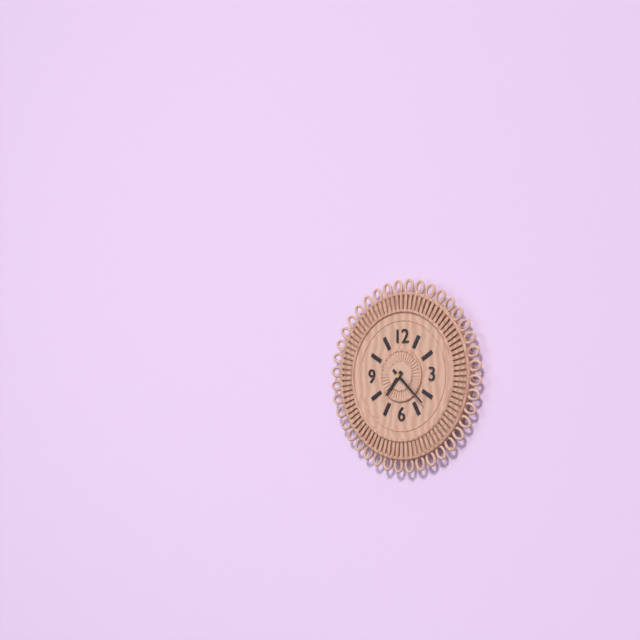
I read 7.22
